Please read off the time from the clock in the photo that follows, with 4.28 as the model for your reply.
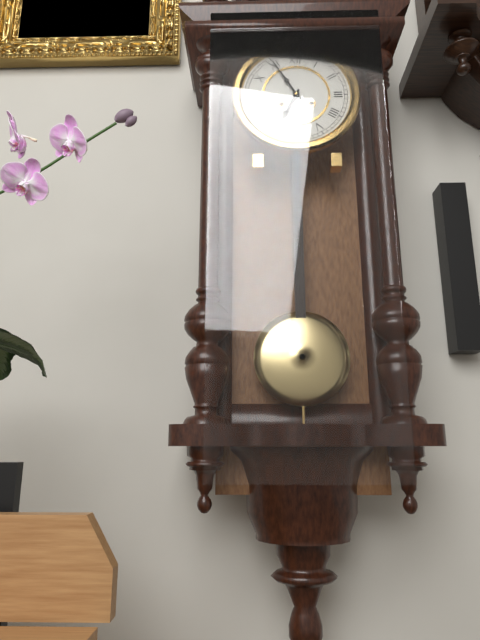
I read 6.55
